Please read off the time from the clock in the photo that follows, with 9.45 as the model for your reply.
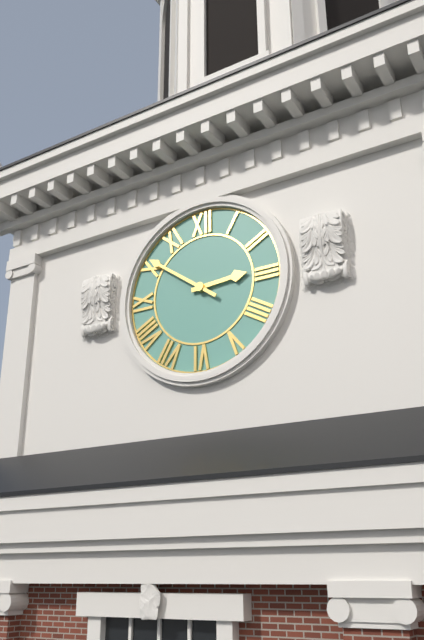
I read 2.51
